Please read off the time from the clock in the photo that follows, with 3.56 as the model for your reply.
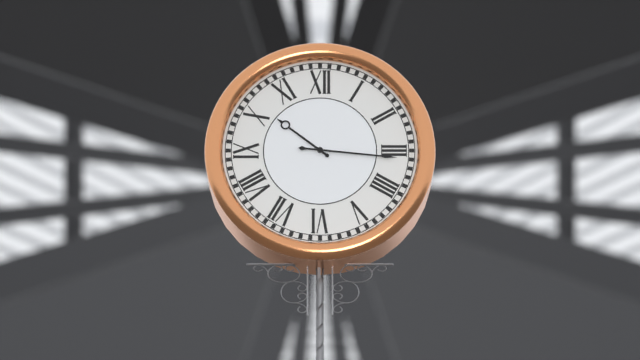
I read 10.16
